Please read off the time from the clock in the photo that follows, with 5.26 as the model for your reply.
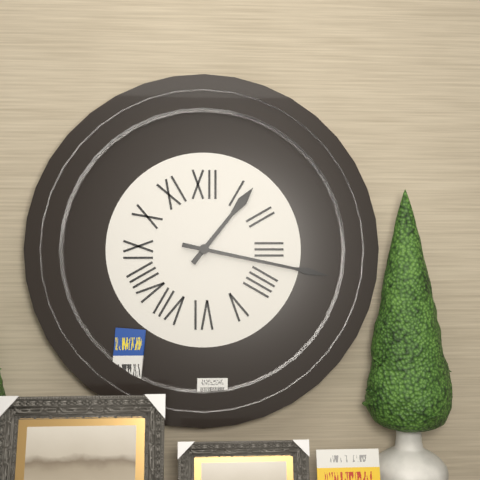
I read 1.17
